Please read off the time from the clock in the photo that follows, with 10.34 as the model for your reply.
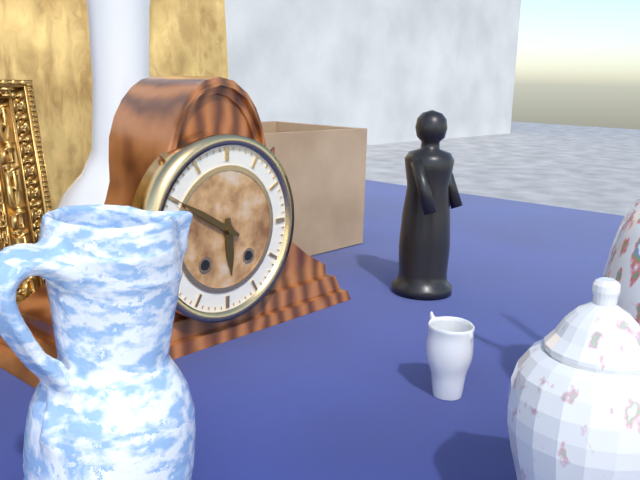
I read 5.50
